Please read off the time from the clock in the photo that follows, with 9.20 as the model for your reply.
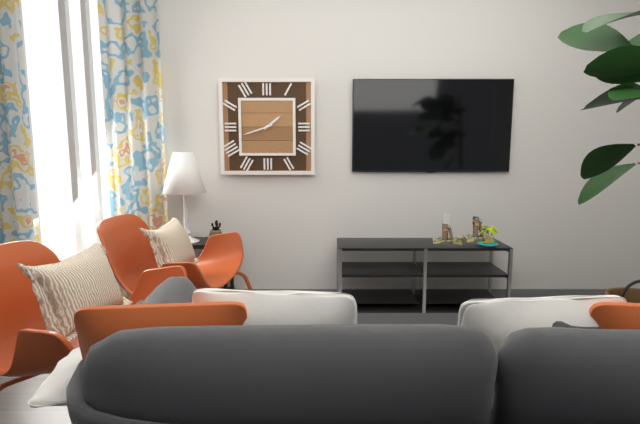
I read 1.42
